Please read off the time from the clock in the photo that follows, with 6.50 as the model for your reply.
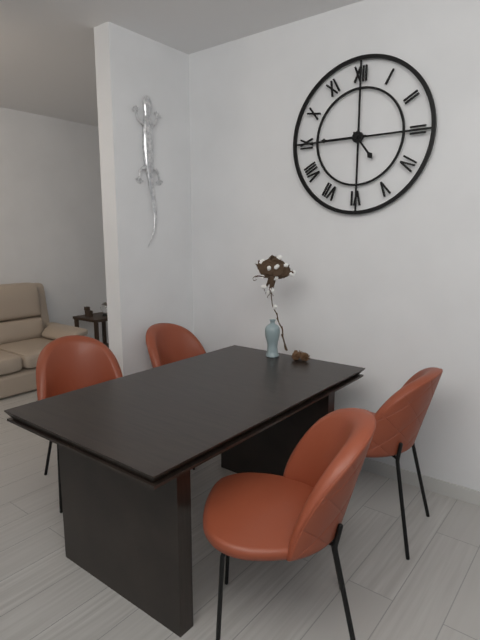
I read 4.45
